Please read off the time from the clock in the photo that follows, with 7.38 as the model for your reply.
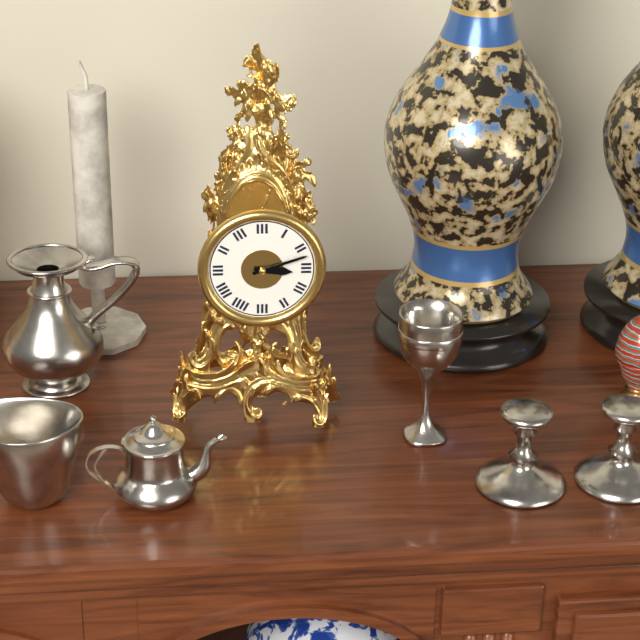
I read 3.12
